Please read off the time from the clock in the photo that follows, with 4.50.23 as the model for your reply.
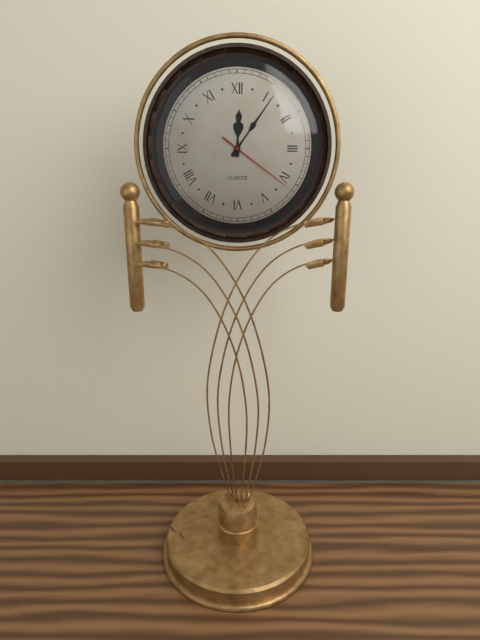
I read 12.06.21
